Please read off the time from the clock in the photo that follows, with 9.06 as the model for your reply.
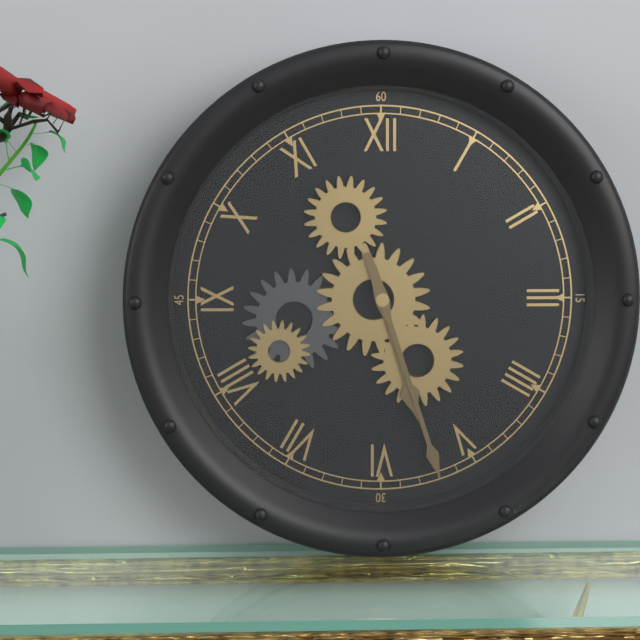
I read 5.27
